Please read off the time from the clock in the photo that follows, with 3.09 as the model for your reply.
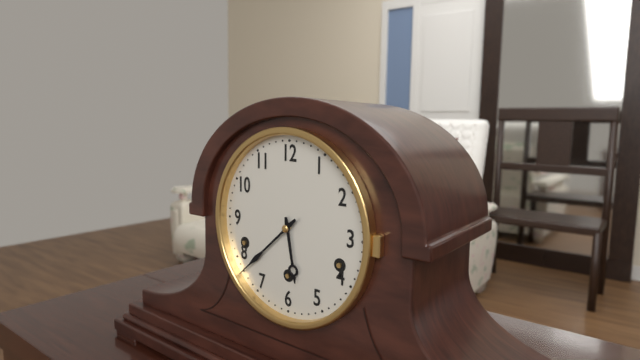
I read 5.38
